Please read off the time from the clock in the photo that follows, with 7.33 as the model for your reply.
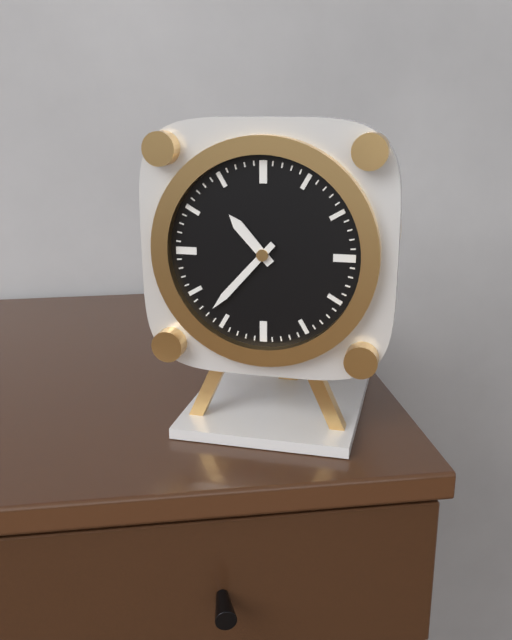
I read 10.37
